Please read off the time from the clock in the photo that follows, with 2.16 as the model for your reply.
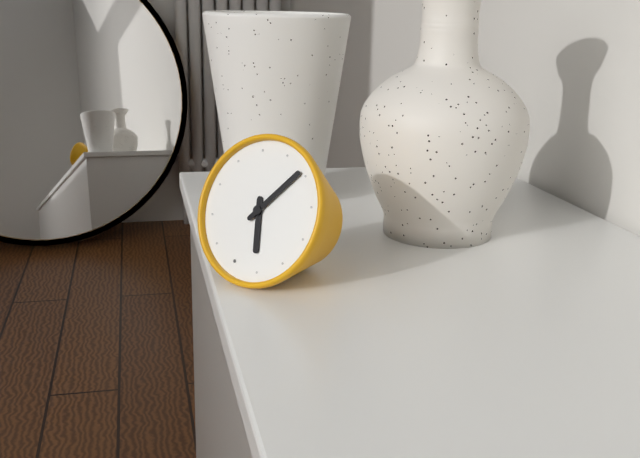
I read 5.04
